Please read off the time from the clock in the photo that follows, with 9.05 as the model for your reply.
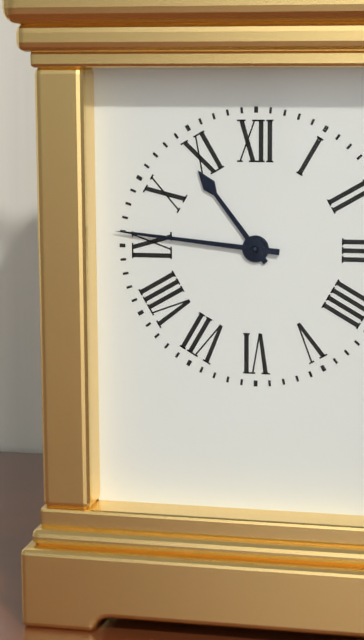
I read 10.46
